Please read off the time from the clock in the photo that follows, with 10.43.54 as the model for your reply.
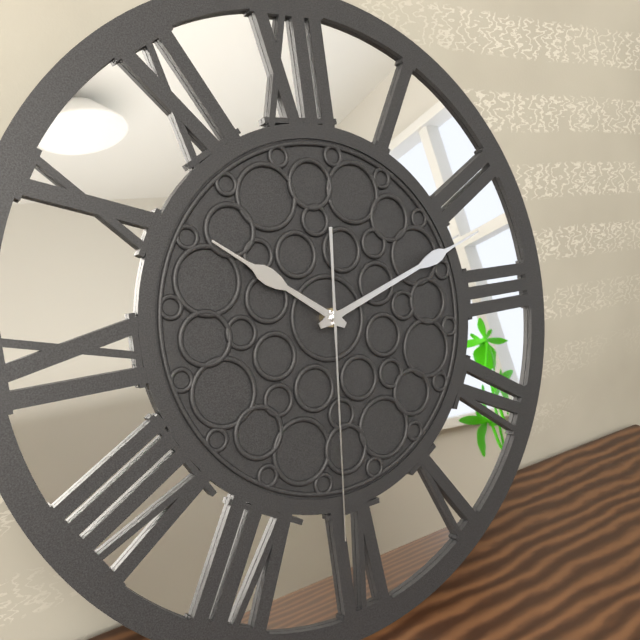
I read 10.12.31
